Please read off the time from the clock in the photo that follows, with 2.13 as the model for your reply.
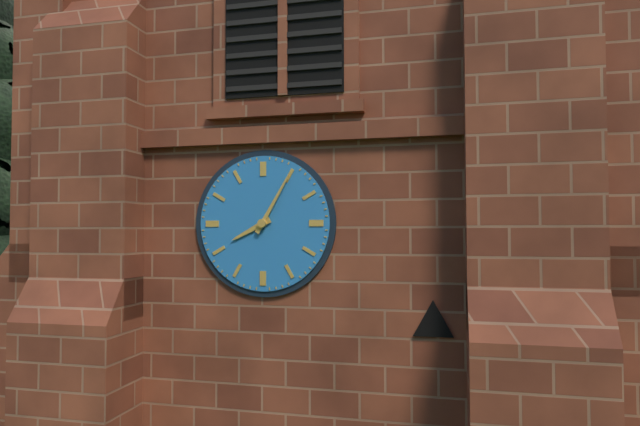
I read 8.05
